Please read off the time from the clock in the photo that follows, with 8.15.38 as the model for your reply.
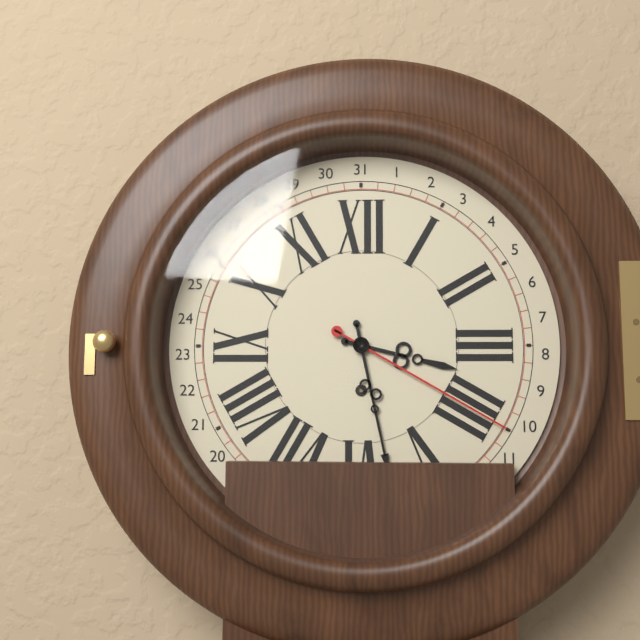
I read 3.28.20
